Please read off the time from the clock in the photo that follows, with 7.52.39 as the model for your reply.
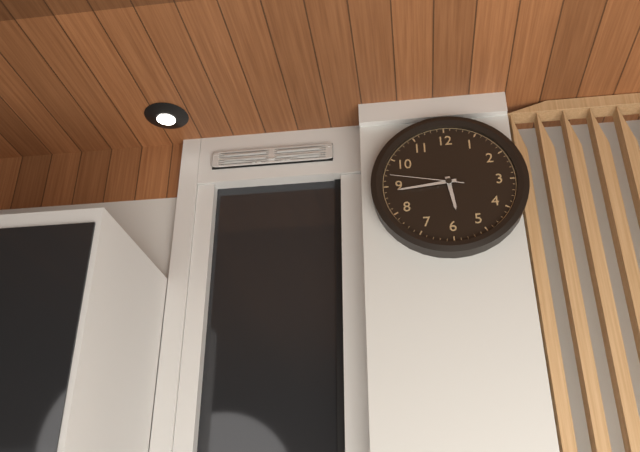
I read 5.44.47
